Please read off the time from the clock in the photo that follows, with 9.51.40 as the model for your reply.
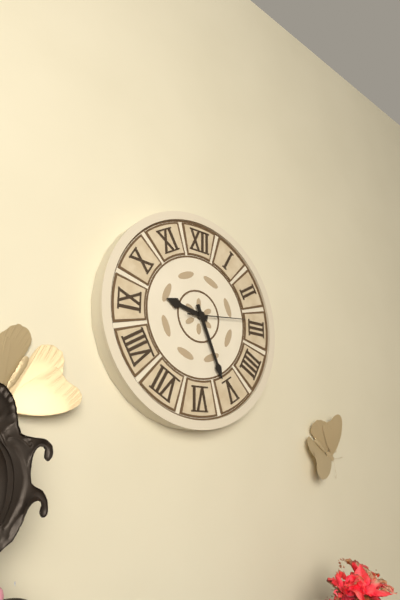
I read 9.26.14
